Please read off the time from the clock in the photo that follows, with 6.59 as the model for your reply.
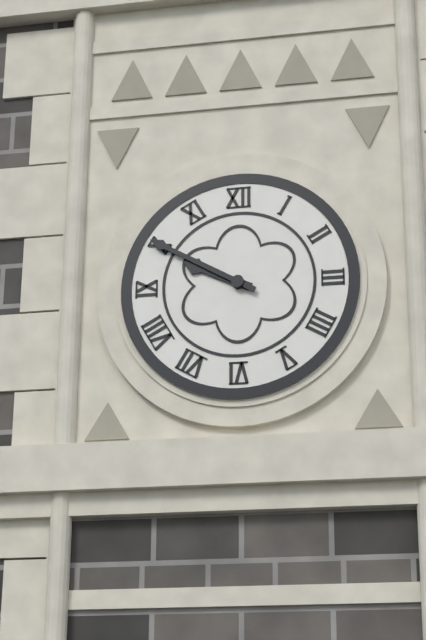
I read 9.50
